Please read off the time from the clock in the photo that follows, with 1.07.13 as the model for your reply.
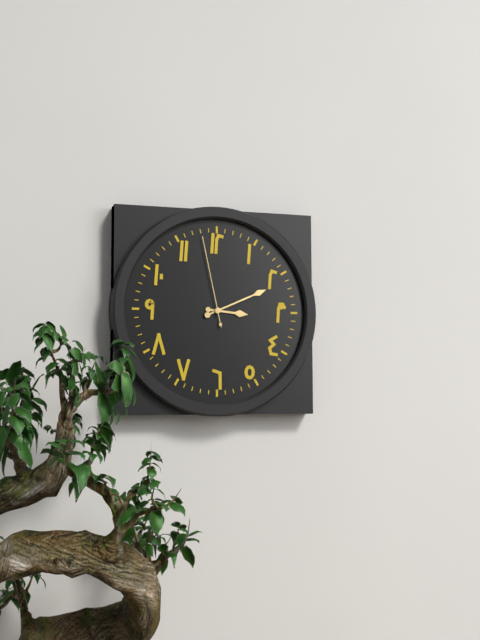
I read 3.11.58
